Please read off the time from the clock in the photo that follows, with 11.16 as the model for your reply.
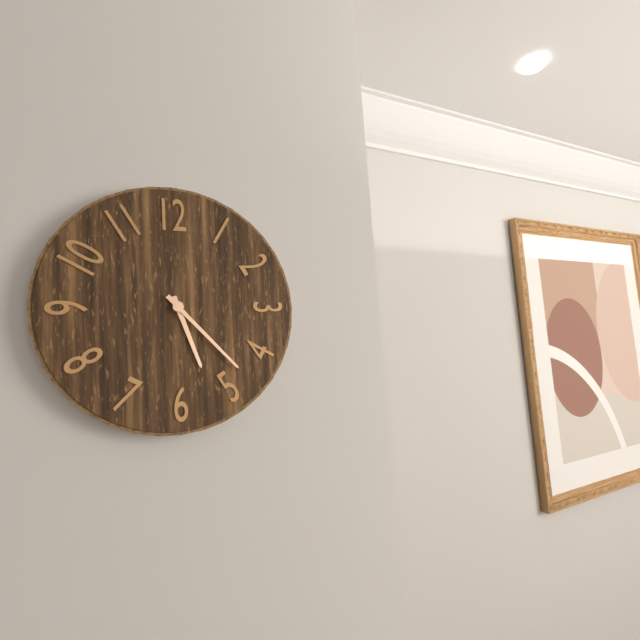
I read 5.23
